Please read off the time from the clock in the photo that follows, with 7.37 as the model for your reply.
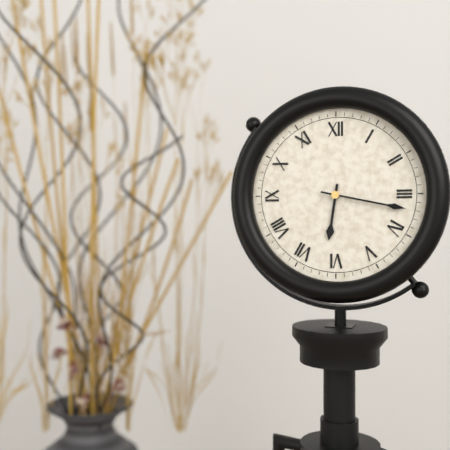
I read 6.17
